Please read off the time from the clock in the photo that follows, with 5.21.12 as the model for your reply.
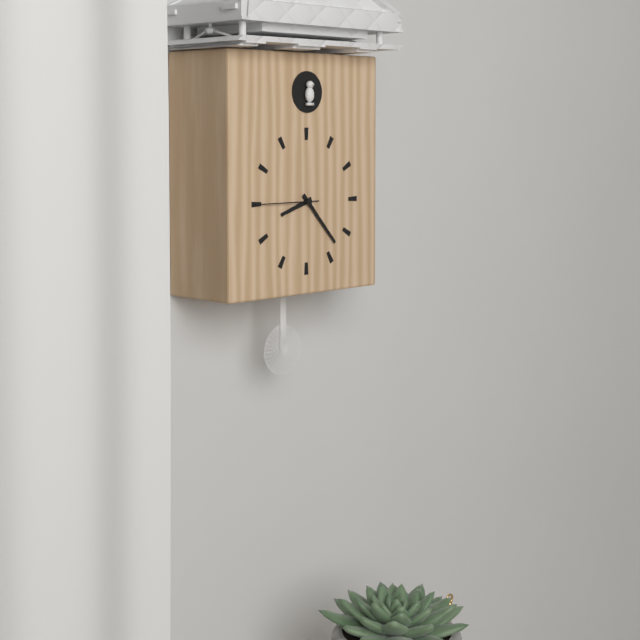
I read 8.23.45
